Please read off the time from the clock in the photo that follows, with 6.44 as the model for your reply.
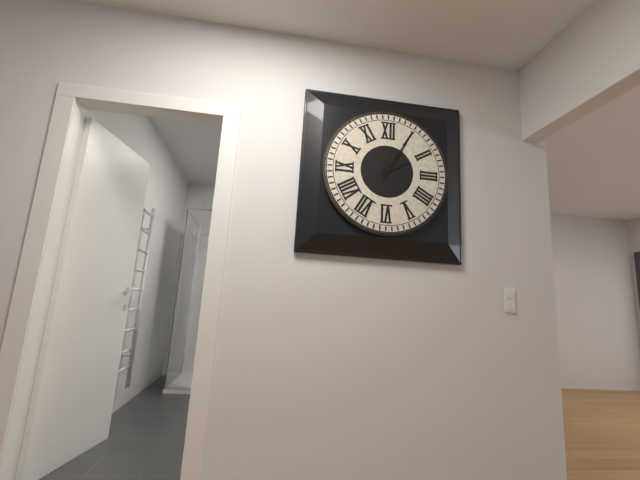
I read 2.05
